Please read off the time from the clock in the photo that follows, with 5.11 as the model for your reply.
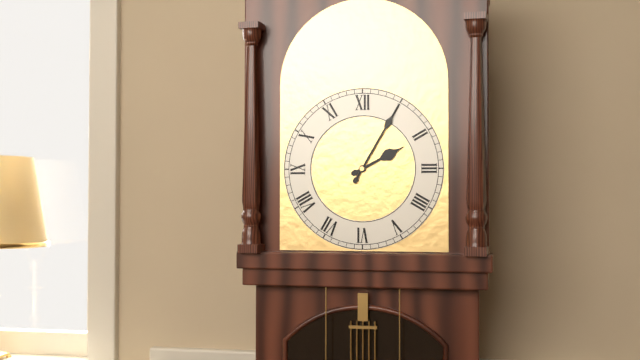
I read 2.05
